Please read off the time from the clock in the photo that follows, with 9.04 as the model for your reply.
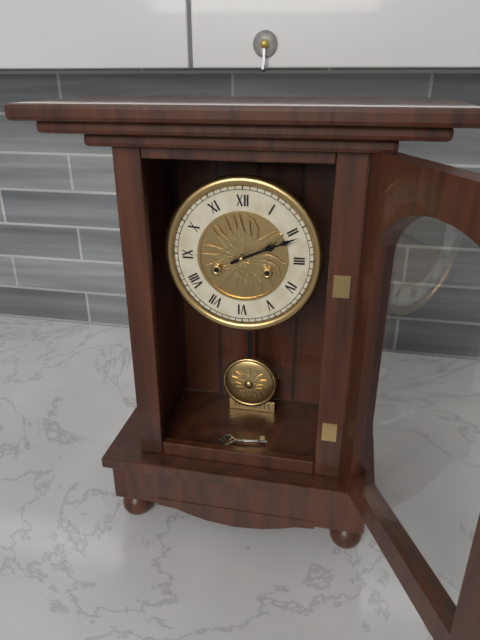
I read 2.11
